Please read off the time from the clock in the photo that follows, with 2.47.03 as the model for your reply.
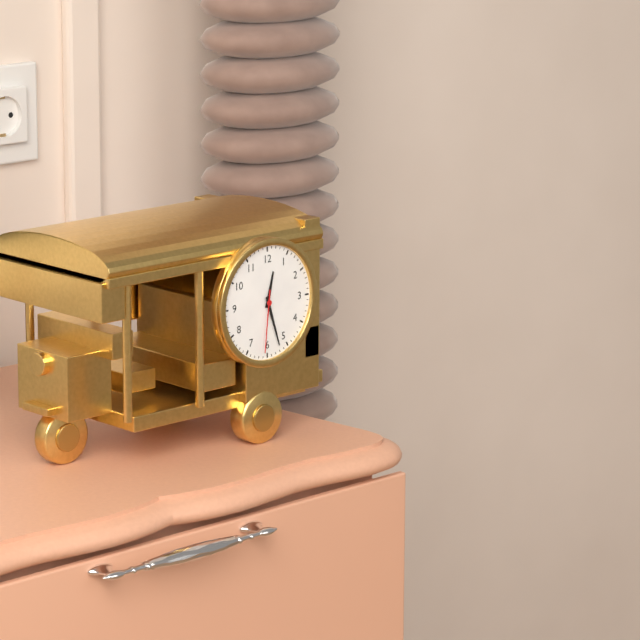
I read 12.27.31
